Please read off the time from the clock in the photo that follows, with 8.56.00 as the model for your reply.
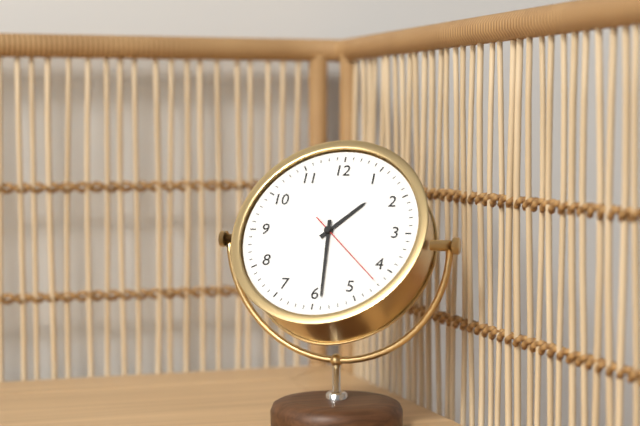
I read 1.29.22
